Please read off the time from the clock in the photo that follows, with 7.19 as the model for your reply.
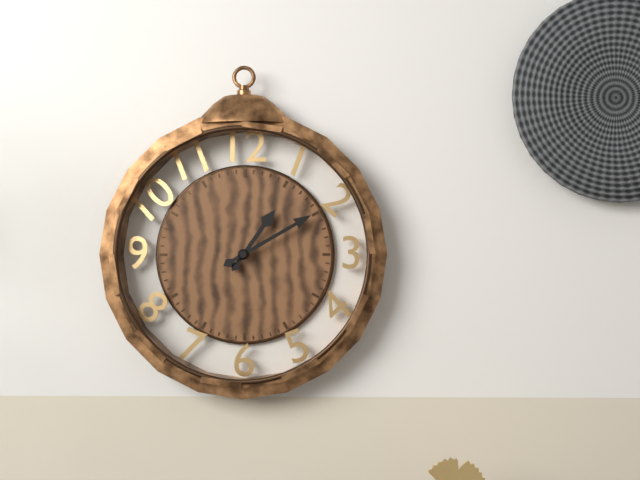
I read 1.10
